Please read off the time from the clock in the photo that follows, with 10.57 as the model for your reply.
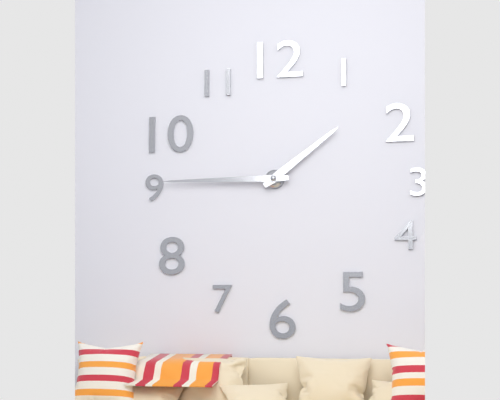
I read 1.45
